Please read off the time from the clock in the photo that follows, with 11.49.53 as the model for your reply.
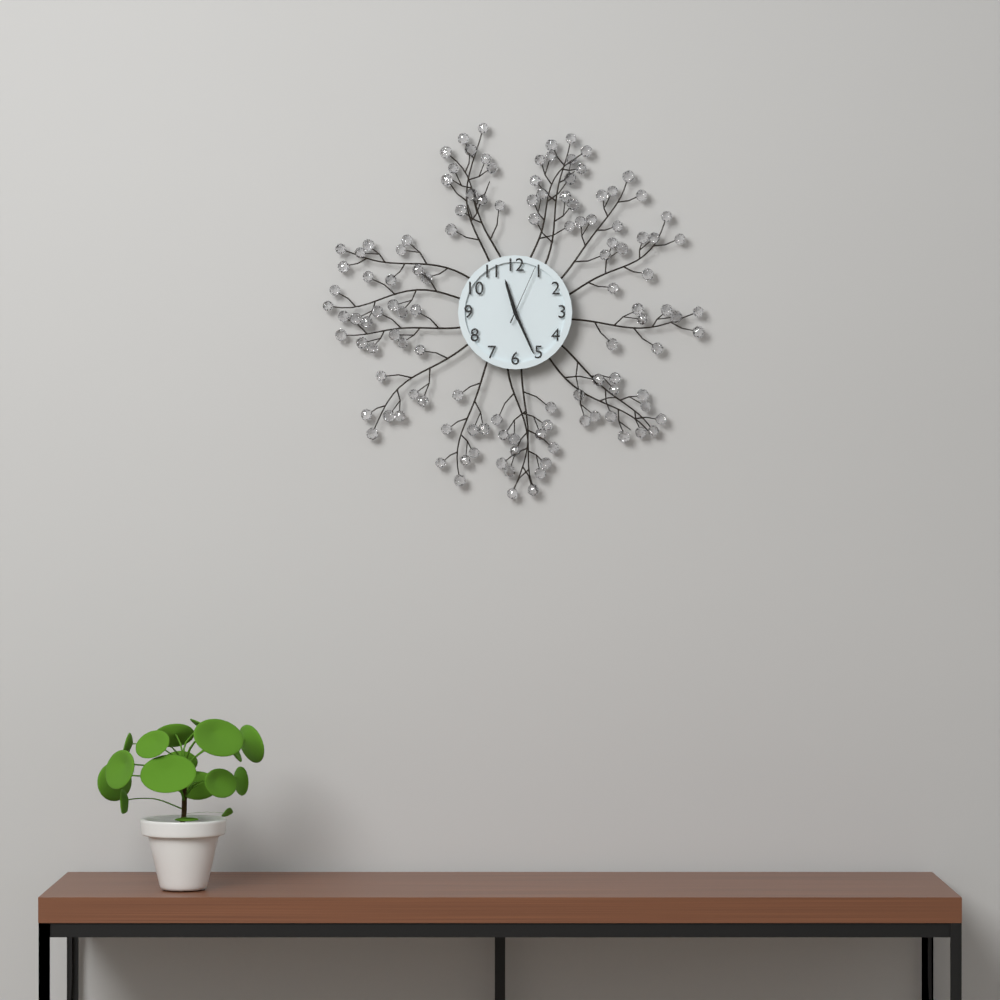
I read 11.26.04
